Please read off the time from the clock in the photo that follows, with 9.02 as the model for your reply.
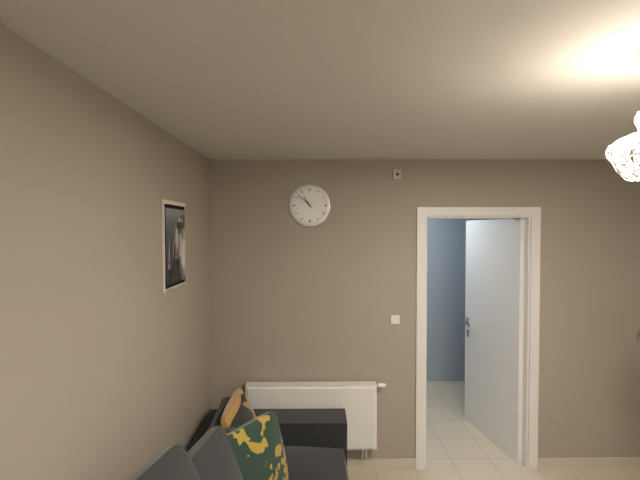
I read 10.52
